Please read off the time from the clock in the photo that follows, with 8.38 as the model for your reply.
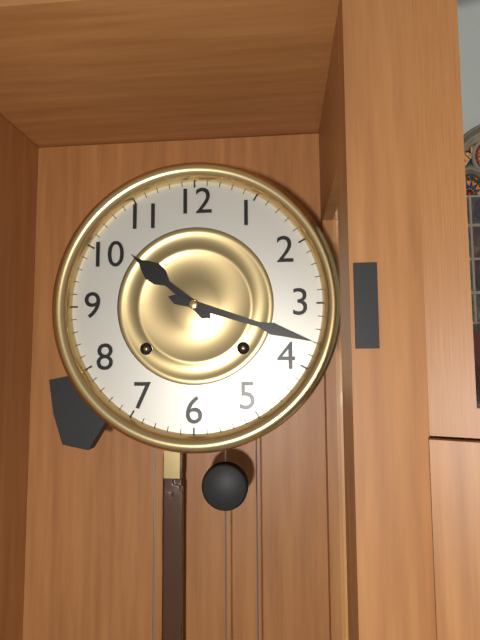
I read 10.18
